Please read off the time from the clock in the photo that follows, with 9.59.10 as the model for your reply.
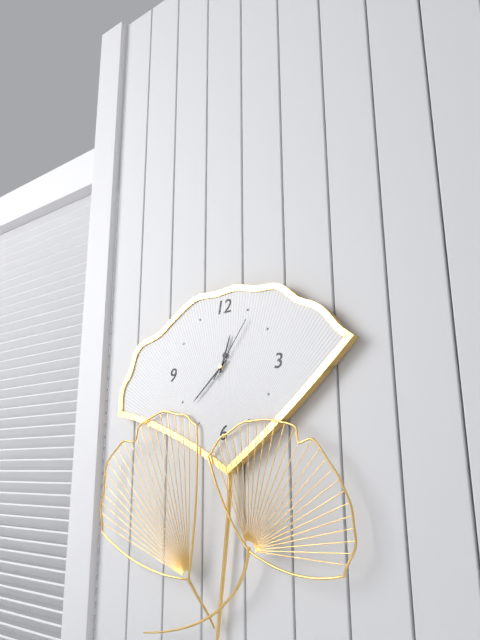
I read 12.38.06
